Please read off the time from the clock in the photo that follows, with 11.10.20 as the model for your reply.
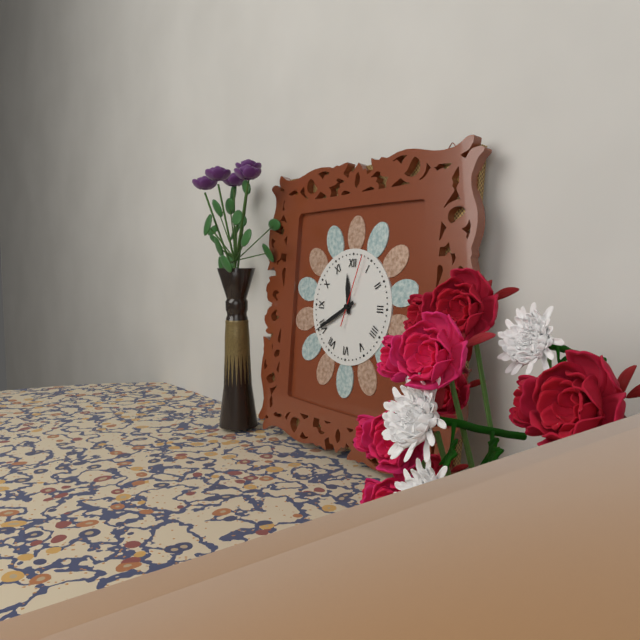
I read 11.40.03
